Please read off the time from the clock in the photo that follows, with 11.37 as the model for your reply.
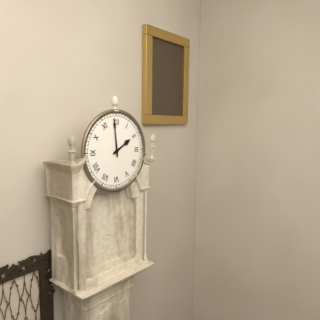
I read 1.59
